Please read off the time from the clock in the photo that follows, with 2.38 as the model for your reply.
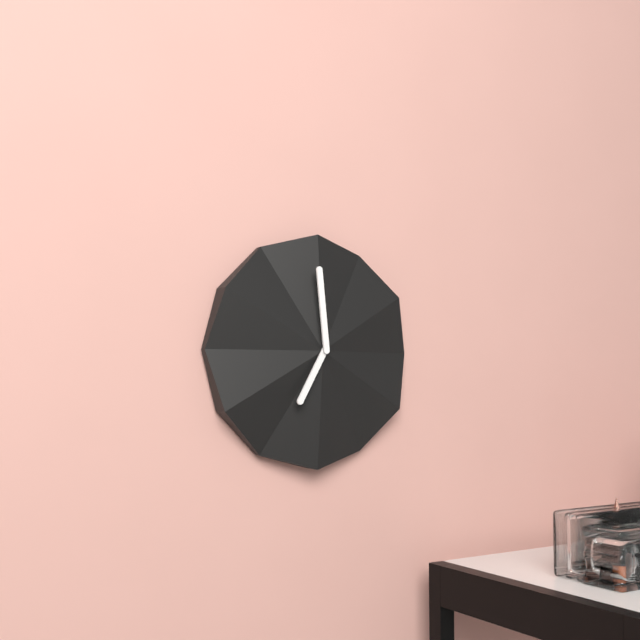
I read 6.59
